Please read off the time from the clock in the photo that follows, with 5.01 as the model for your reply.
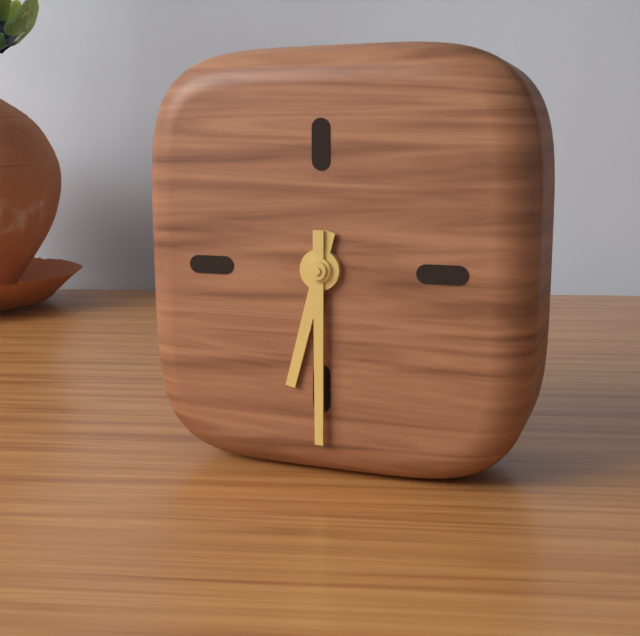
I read 6.30
